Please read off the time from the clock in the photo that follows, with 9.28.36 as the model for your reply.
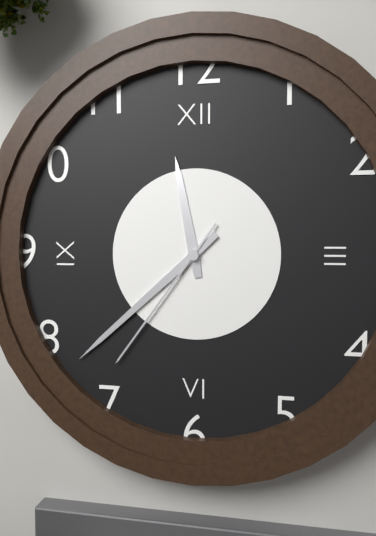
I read 11.38.36
